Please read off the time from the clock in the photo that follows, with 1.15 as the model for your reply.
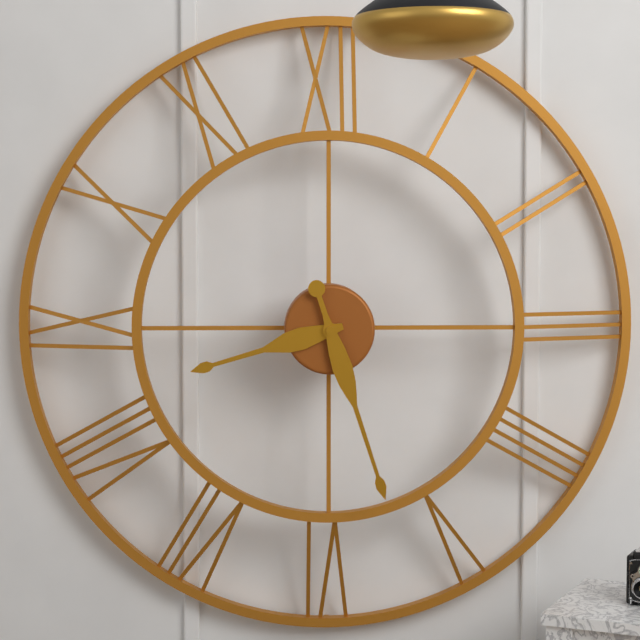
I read 8.27
